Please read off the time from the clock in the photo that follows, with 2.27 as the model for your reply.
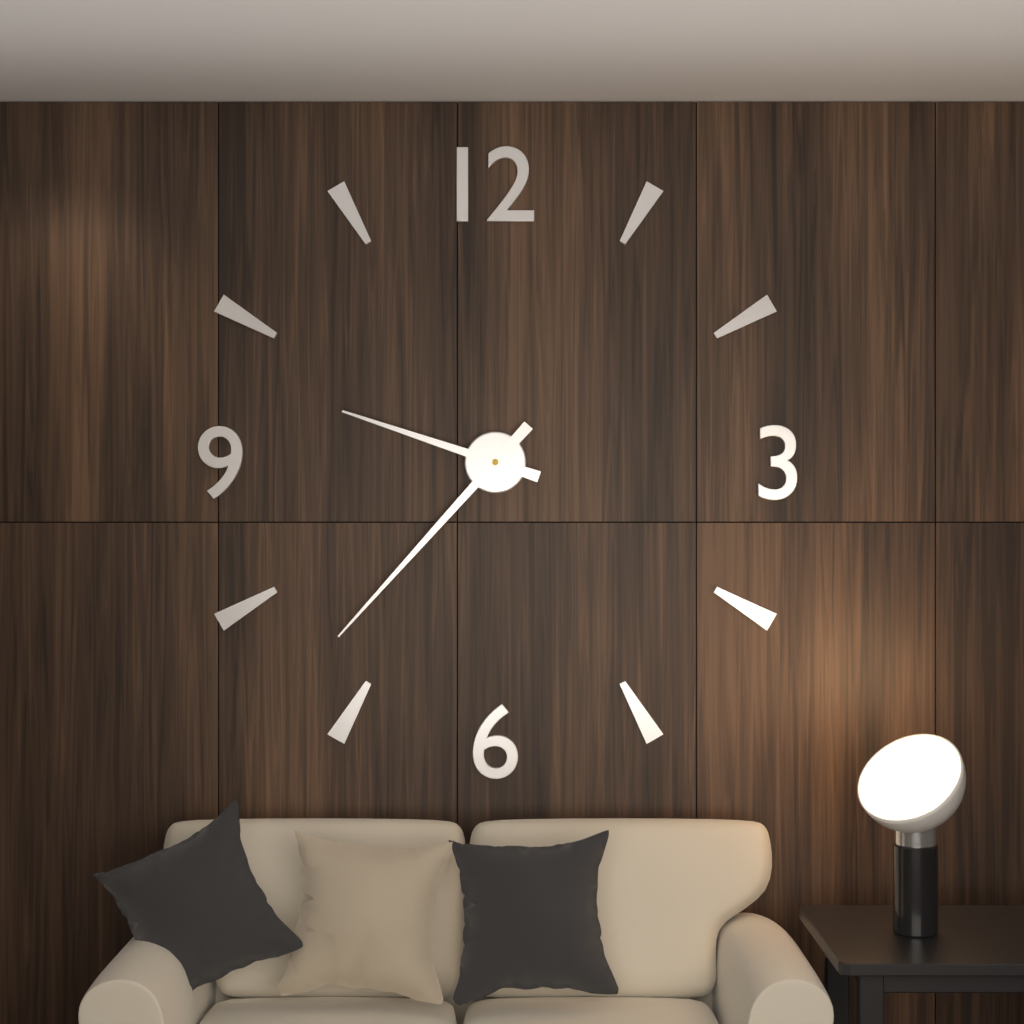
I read 9.37
